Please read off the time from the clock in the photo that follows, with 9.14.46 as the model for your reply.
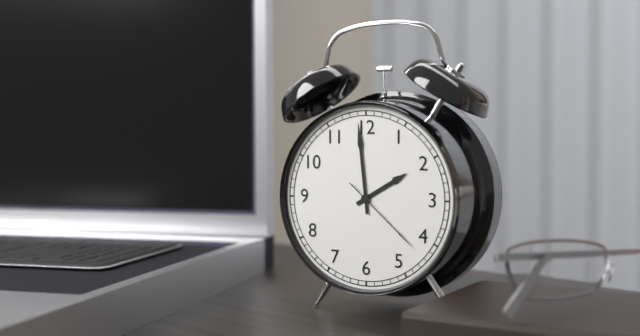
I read 1.59.22
